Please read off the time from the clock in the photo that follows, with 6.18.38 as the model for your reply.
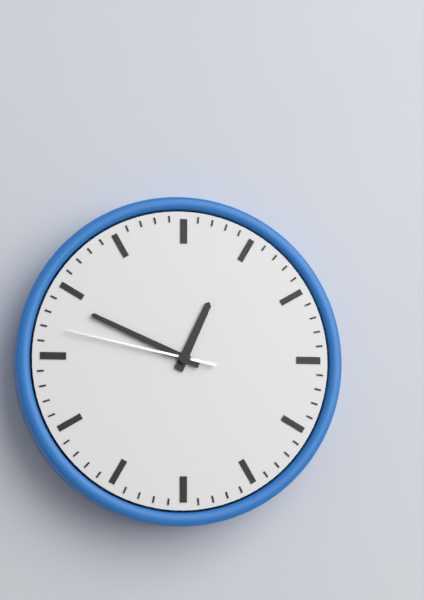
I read 12.49.47
